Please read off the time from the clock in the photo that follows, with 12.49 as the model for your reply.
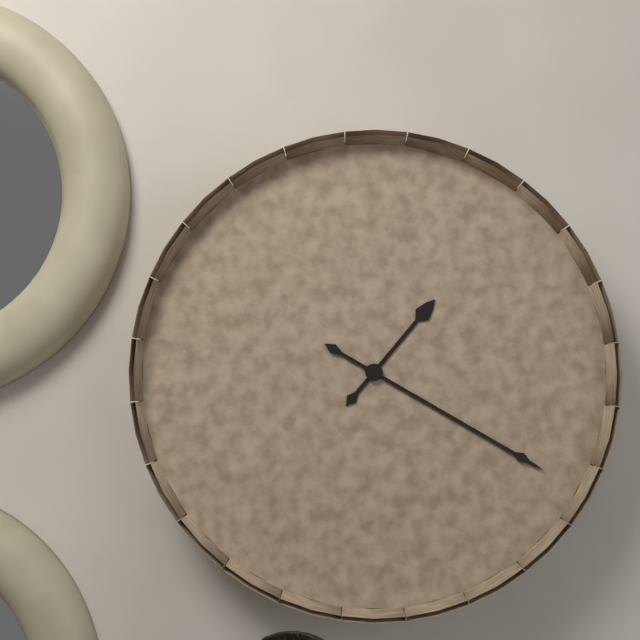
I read 1.20
